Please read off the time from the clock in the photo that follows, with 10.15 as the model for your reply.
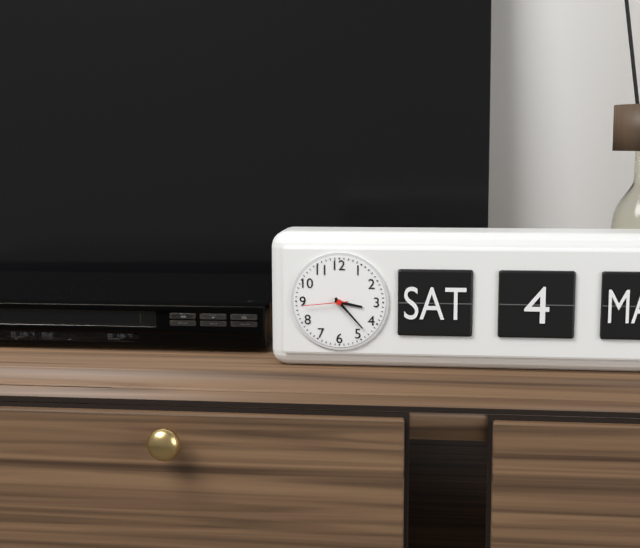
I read 3.23
